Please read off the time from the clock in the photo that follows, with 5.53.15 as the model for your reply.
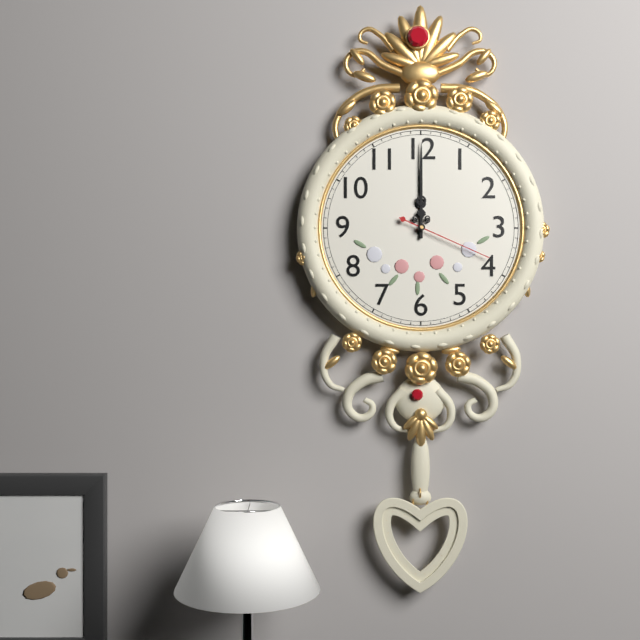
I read 12.00.19
